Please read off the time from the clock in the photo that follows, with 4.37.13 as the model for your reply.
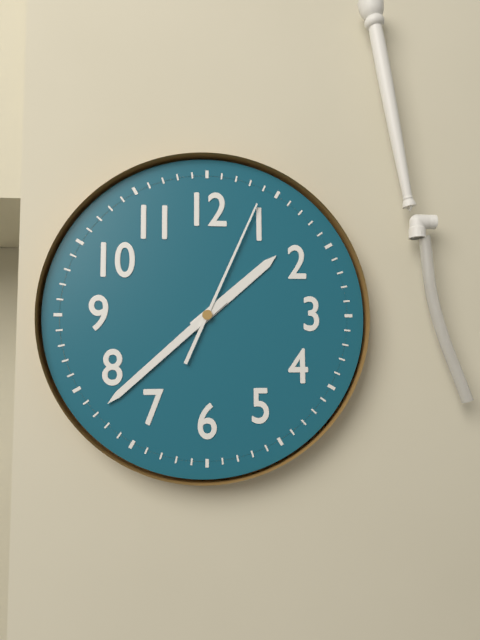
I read 1.38.04
